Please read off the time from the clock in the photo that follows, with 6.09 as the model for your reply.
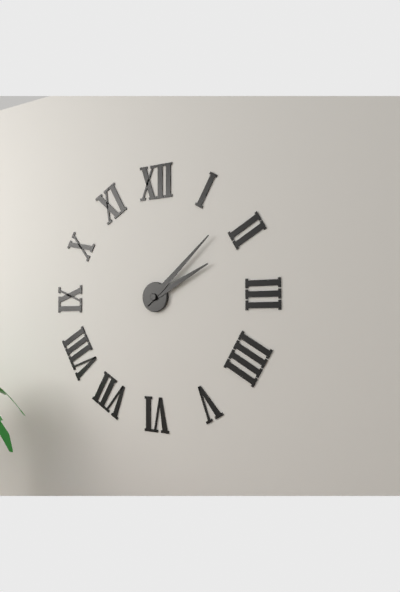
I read 2.08
